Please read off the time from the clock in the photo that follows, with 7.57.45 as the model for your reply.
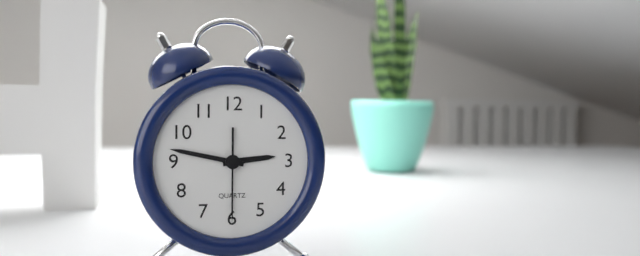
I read 2.47.30
